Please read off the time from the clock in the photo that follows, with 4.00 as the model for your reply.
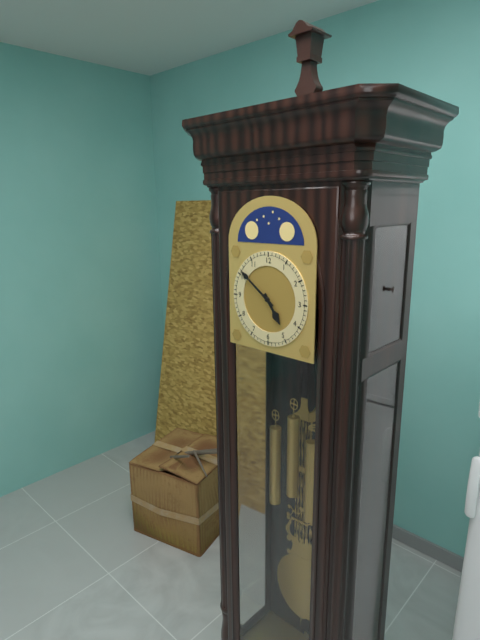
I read 4.51
